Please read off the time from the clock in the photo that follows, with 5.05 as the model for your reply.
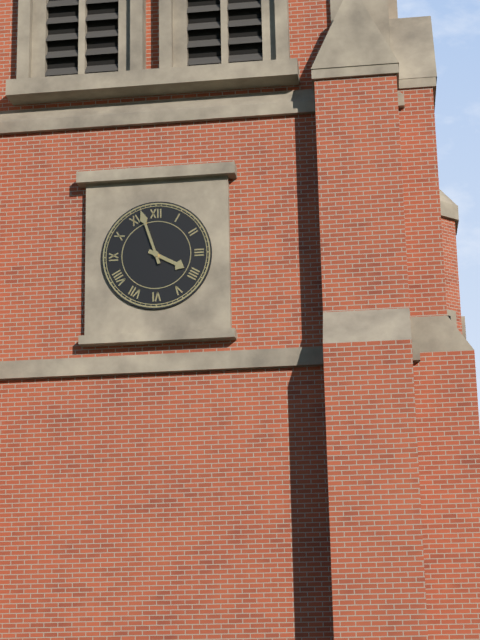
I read 3.57
